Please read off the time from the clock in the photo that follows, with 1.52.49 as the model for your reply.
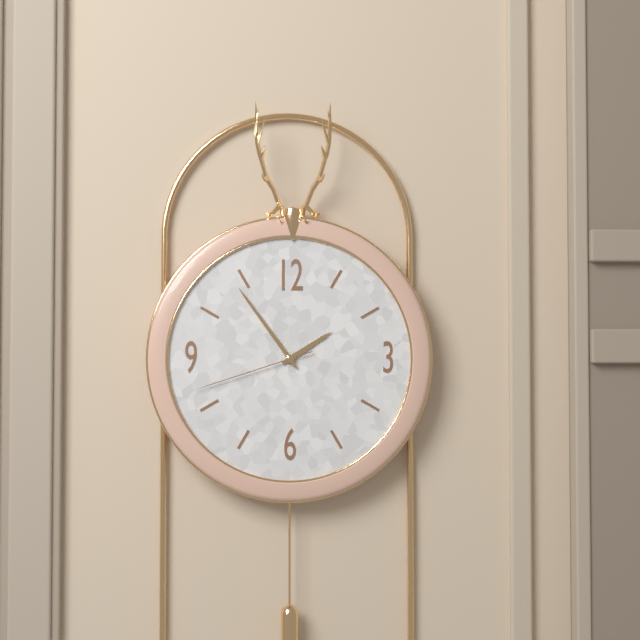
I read 1.54.42
